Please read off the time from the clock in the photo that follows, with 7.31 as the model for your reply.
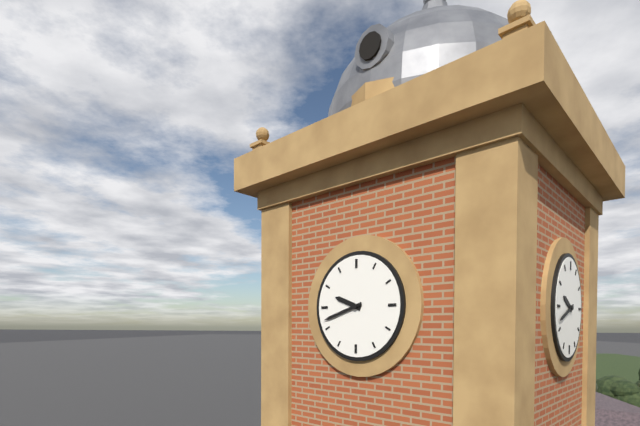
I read 9.42
